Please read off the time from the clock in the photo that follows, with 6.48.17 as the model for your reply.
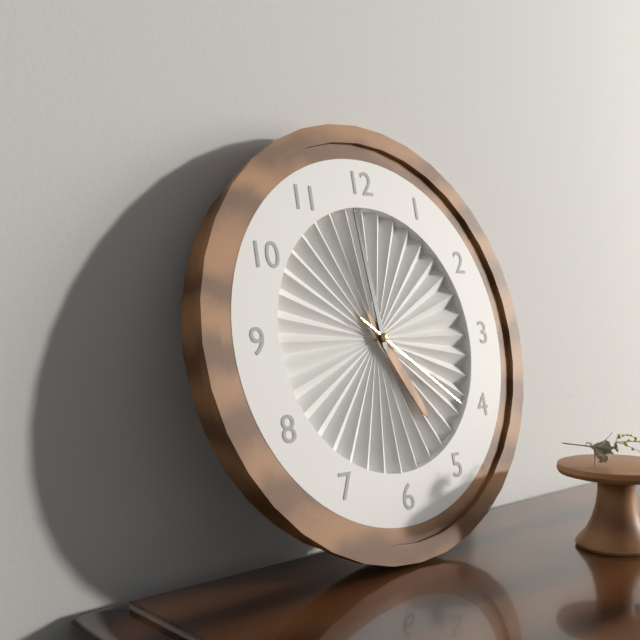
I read 4.59.21
